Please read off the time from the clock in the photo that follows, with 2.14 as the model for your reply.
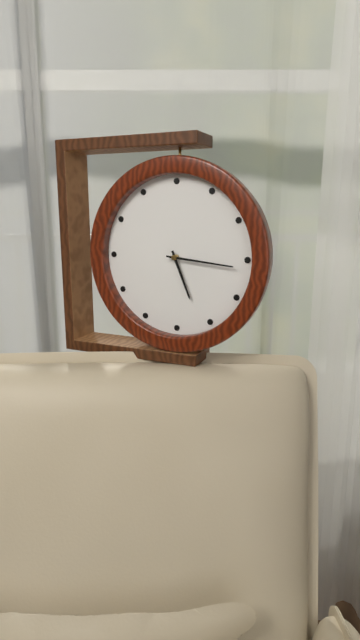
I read 5.16
